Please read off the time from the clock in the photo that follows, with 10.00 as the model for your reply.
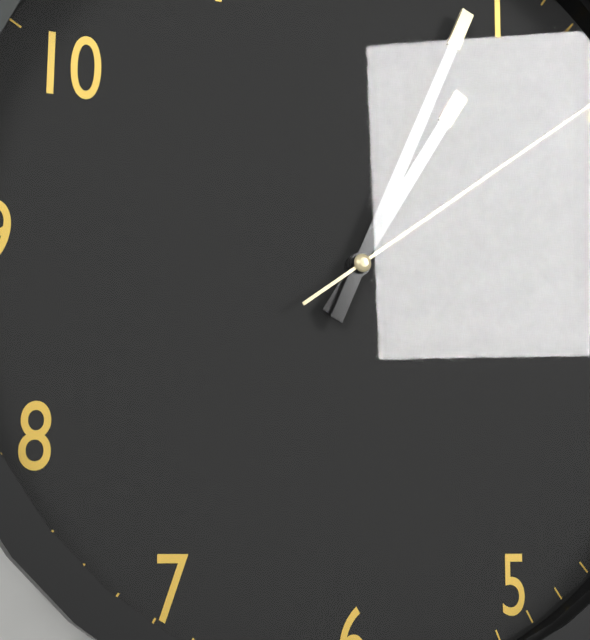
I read 1.04
